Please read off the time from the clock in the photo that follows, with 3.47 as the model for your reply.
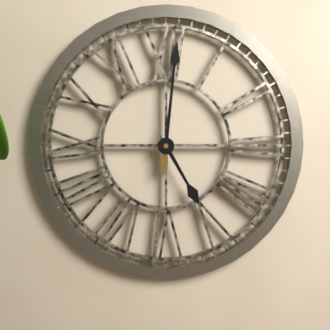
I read 5.01
